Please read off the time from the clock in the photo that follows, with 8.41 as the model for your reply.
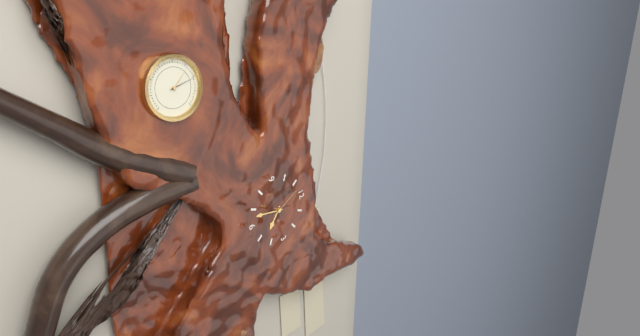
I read 4.33
